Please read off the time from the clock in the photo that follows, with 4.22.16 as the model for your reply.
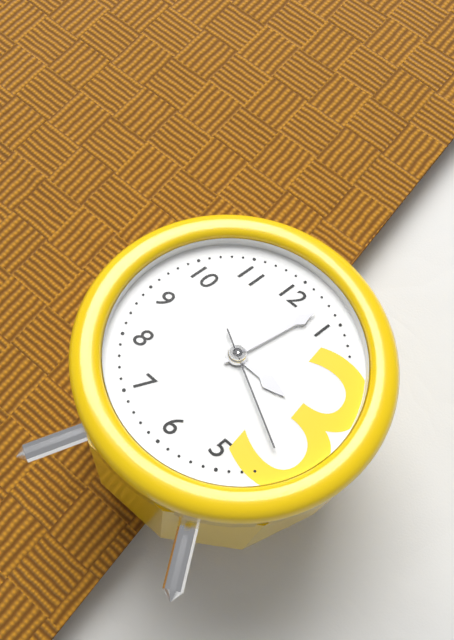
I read 3.03.20
